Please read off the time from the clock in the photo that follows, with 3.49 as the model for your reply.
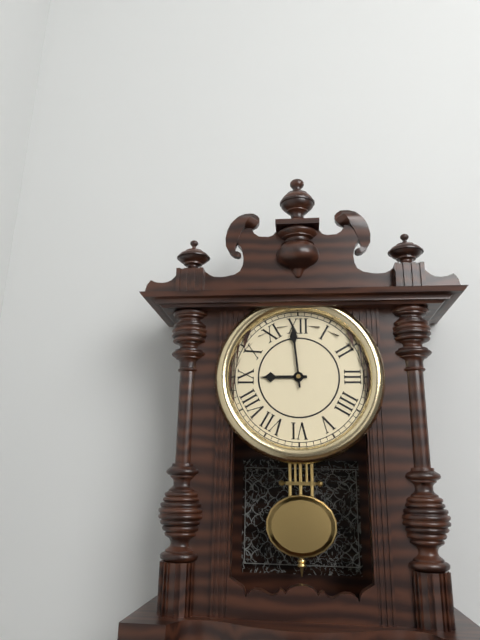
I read 8.59
